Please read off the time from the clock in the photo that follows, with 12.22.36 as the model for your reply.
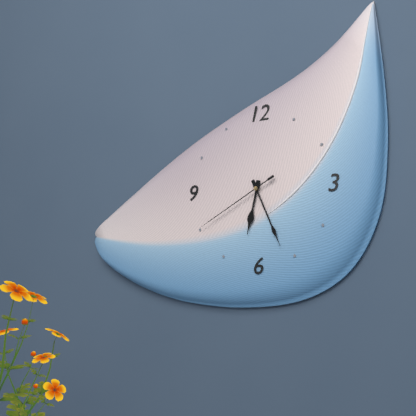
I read 6.26.40
